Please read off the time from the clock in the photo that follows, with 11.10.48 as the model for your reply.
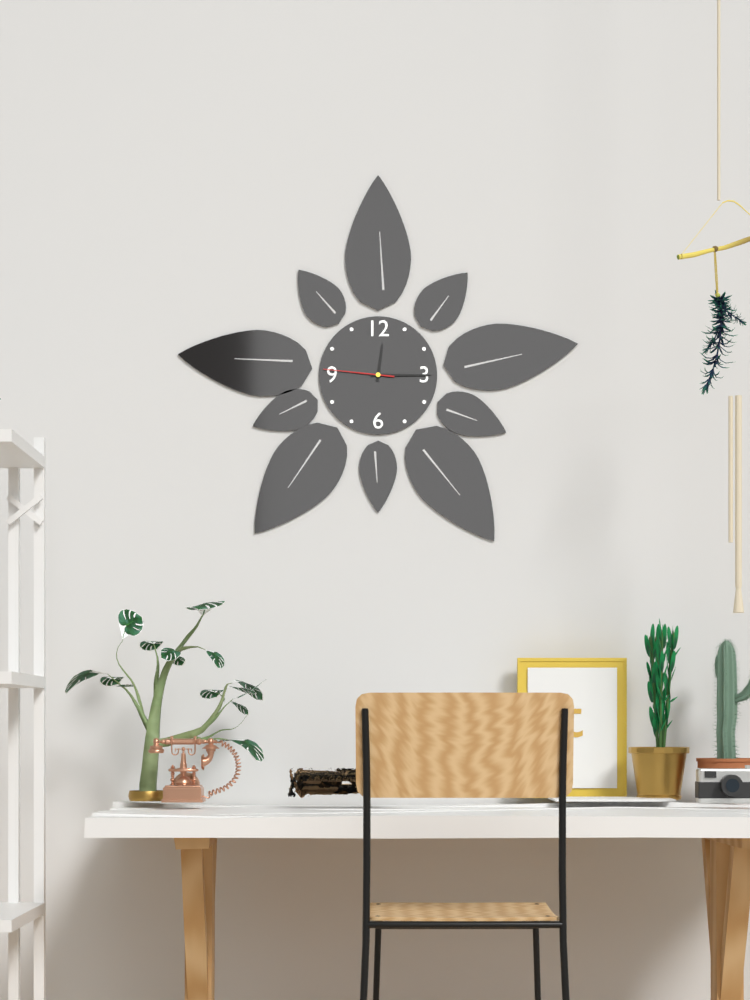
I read 12.15.46
